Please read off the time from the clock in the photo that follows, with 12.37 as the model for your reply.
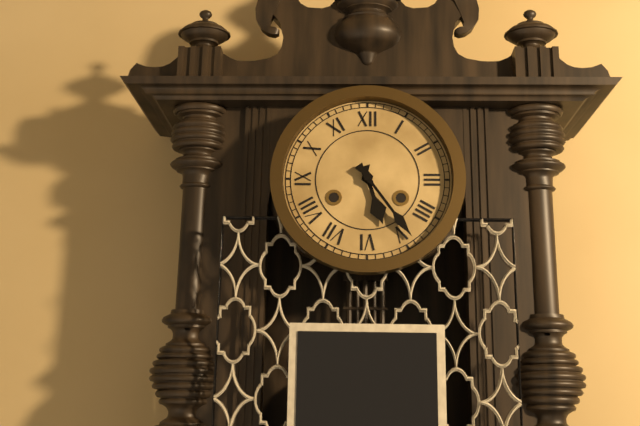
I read 5.24
